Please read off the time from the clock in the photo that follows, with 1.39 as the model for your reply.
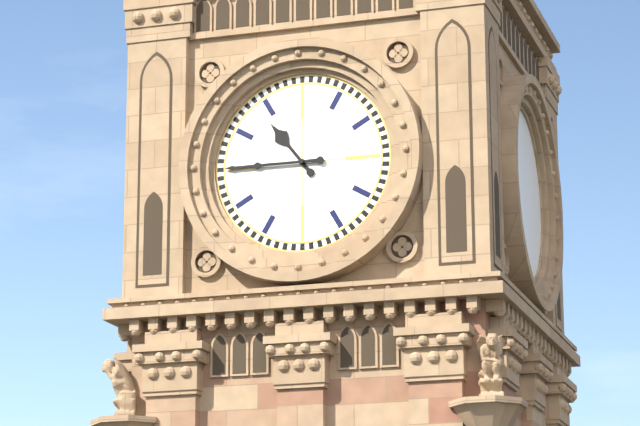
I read 10.45
